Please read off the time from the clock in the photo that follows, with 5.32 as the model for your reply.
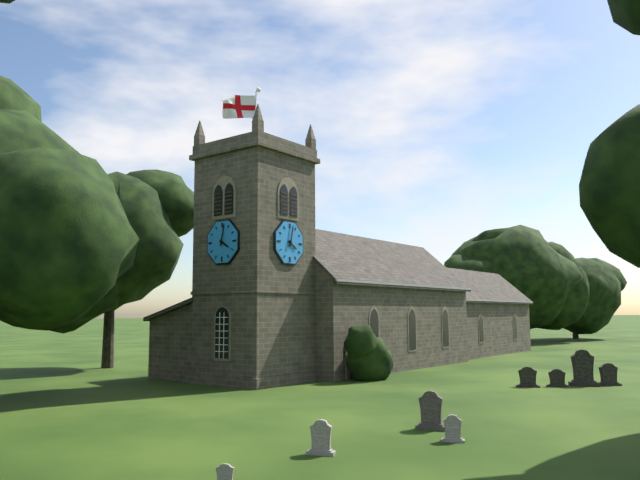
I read 4.02
